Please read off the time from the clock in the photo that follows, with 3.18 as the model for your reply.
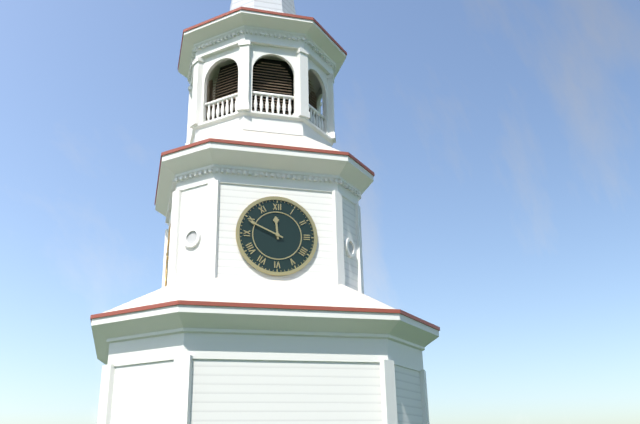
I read 11.49
